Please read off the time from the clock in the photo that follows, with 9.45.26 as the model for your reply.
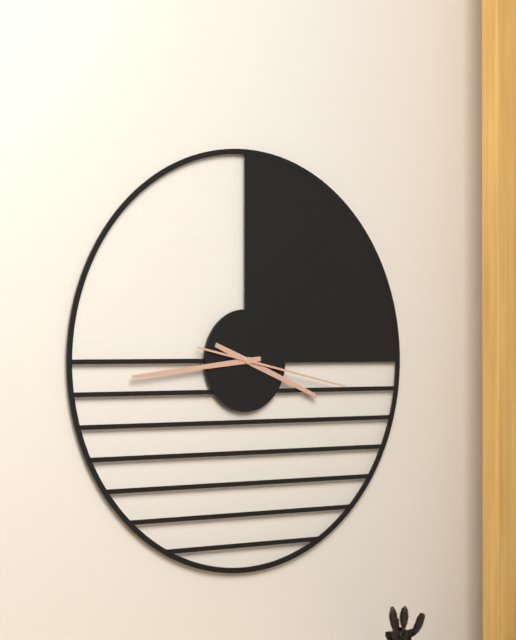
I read 3.44.17
